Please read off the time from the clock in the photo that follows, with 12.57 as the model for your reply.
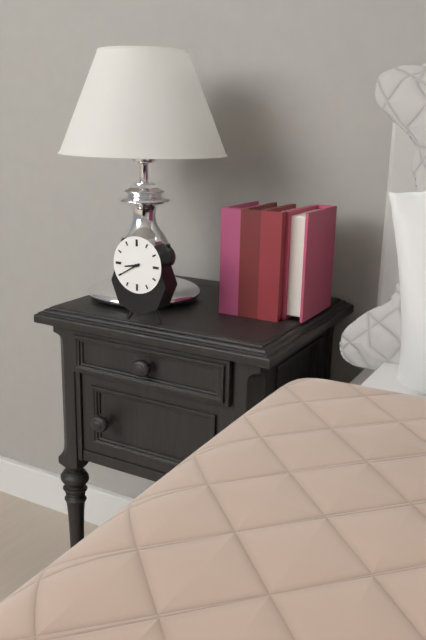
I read 8.40
